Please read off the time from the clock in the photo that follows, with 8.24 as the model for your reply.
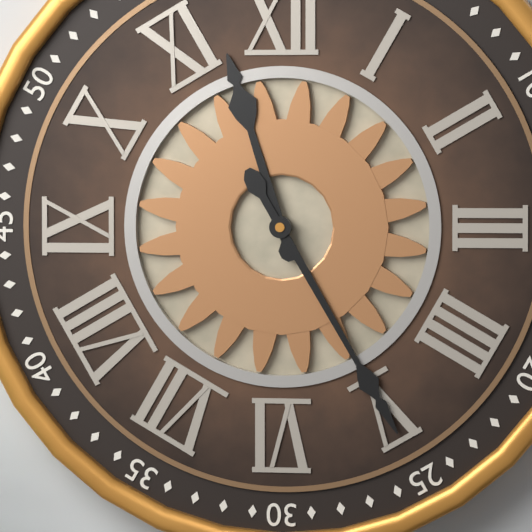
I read 11.25
